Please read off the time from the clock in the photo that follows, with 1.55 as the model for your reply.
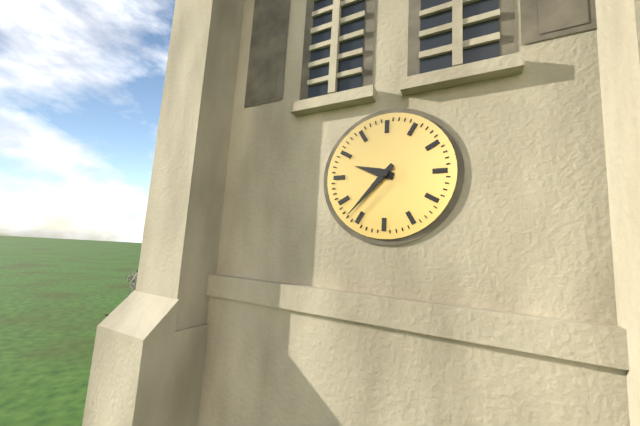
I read 9.37
